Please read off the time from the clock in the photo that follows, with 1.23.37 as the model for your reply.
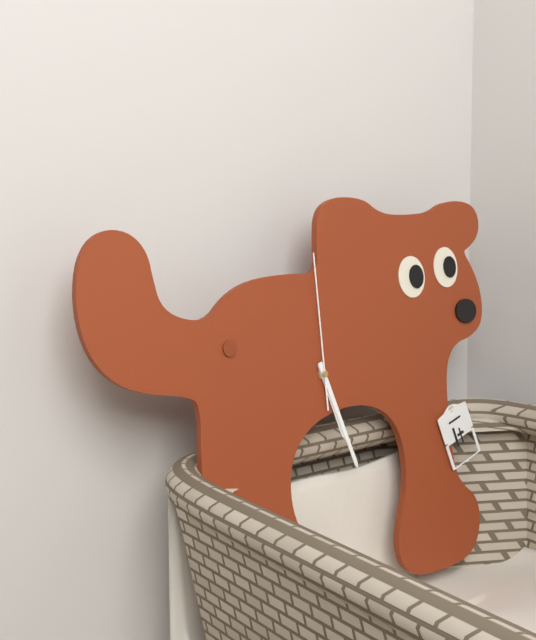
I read 5.27.00
